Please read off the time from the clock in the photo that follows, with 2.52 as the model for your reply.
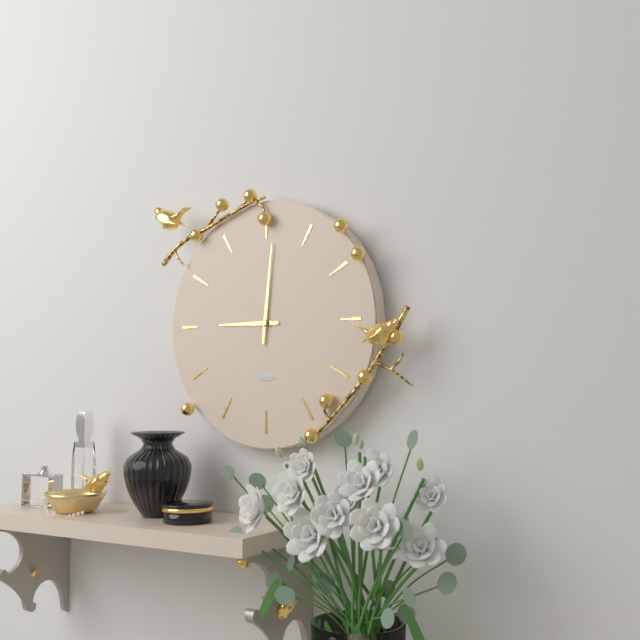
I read 9.01
